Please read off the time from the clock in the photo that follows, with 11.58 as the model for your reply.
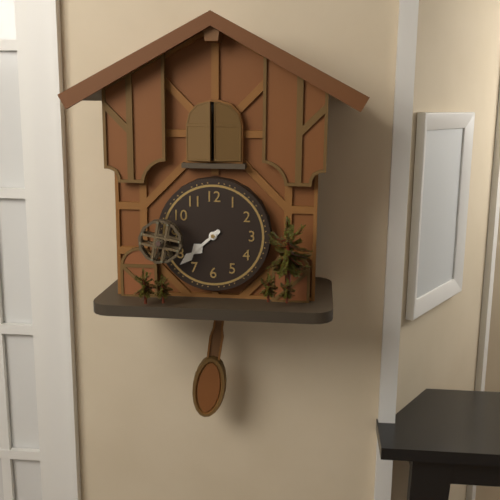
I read 7.38
